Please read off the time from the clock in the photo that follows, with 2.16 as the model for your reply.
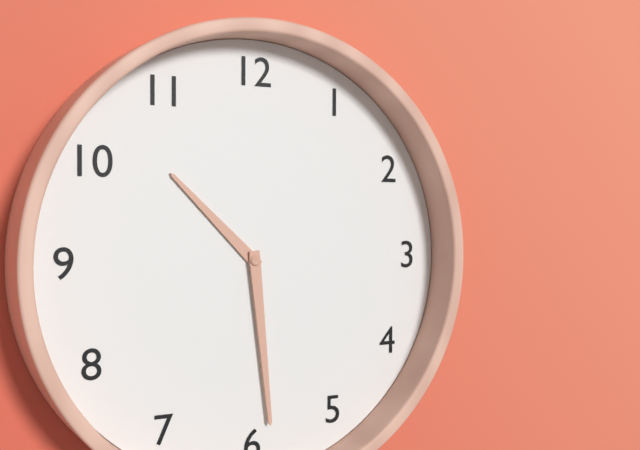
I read 10.29
